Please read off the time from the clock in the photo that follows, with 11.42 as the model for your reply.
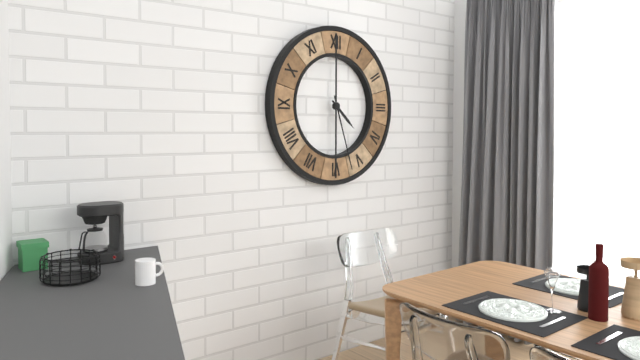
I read 4.27
